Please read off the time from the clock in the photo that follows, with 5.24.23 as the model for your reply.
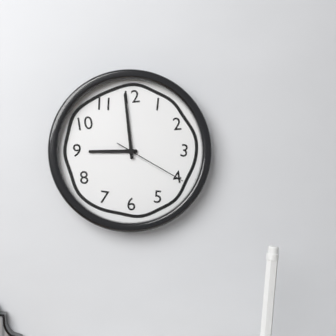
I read 8.59.20
